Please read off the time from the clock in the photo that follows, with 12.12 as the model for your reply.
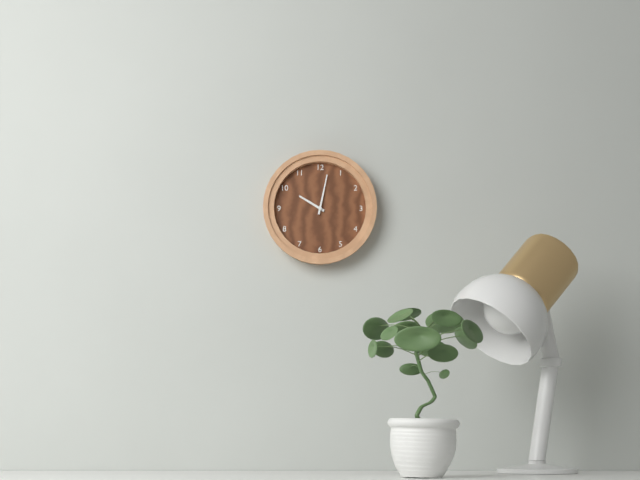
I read 10.02
